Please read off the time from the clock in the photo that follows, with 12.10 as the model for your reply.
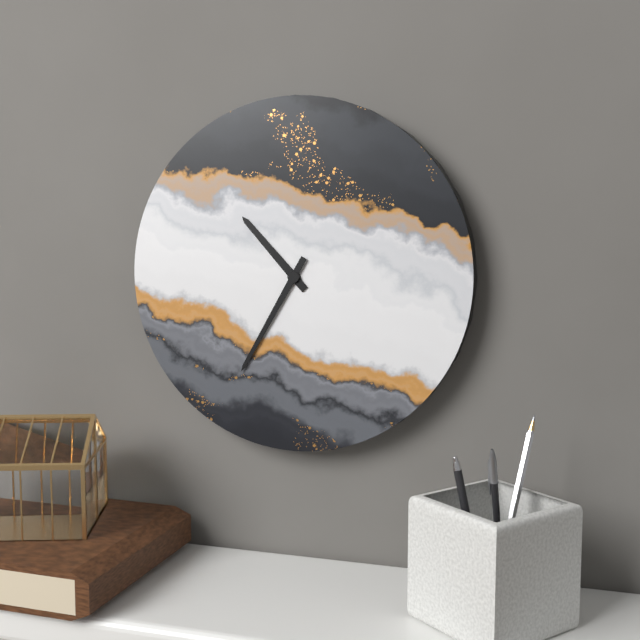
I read 10.35
